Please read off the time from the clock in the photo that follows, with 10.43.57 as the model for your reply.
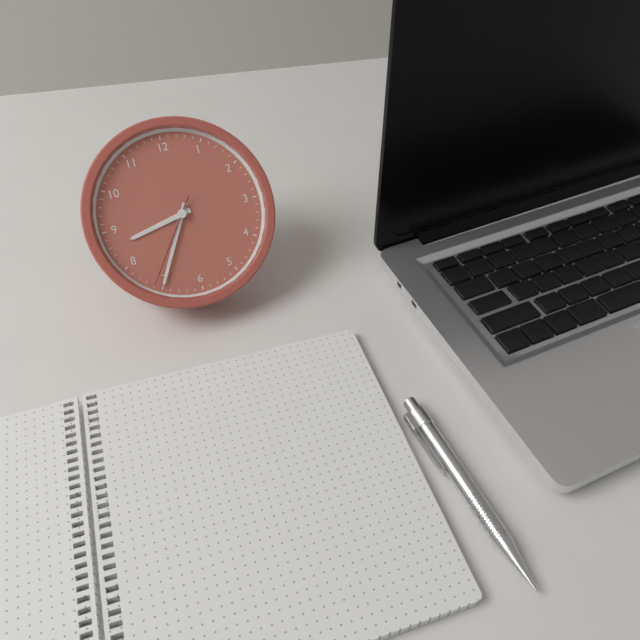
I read 8.35.36
